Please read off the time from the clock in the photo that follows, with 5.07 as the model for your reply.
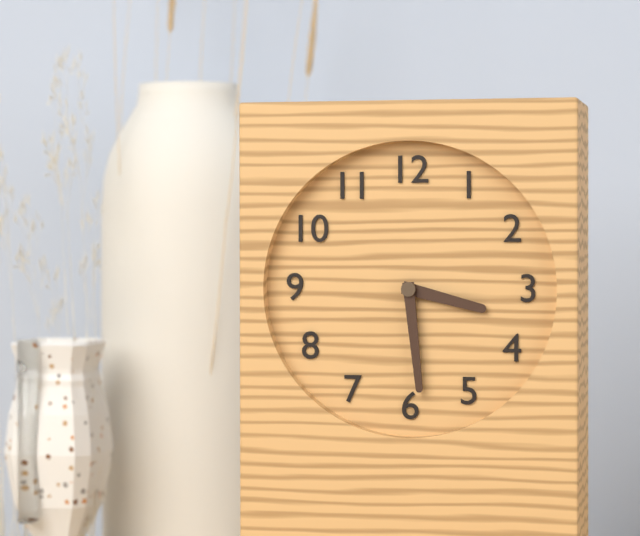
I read 3.29
